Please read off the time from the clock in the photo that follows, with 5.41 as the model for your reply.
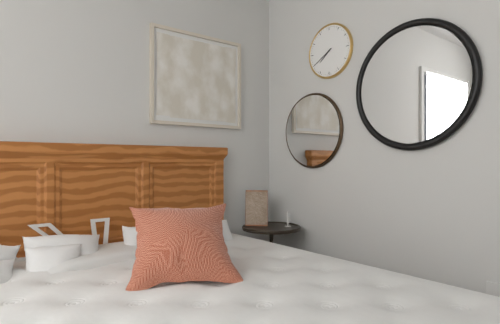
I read 7.40
